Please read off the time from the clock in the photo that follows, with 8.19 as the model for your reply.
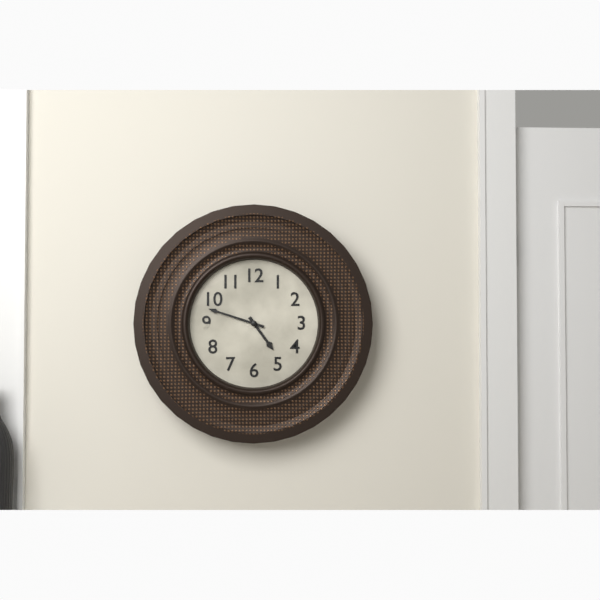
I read 4.48
